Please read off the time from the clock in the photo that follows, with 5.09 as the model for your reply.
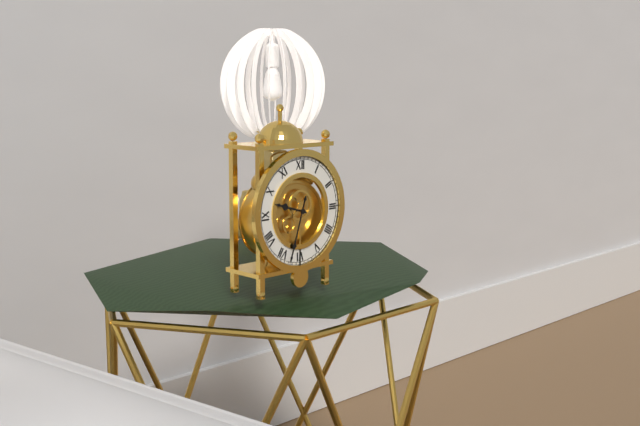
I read 9.33
